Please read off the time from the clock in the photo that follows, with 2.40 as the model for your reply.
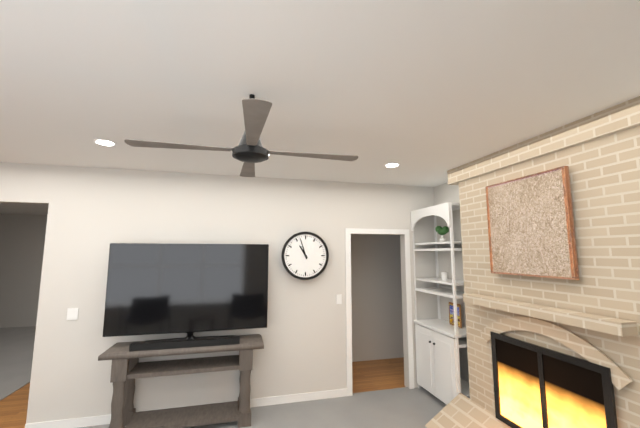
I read 10.57
